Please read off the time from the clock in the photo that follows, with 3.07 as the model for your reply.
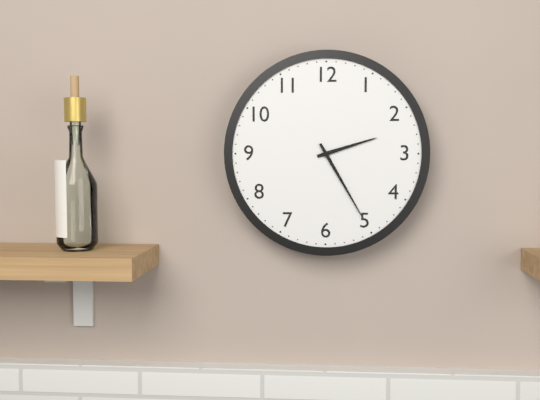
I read 2.25
